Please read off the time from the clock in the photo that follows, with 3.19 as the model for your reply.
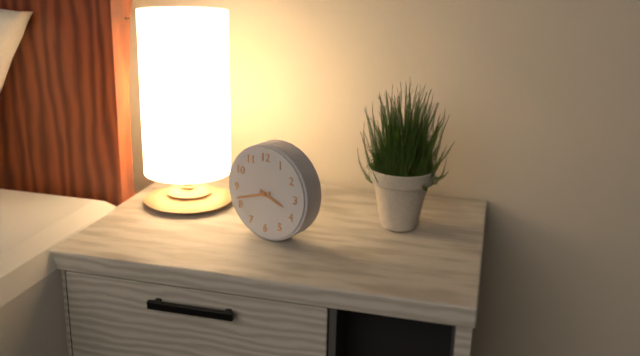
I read 3.42
